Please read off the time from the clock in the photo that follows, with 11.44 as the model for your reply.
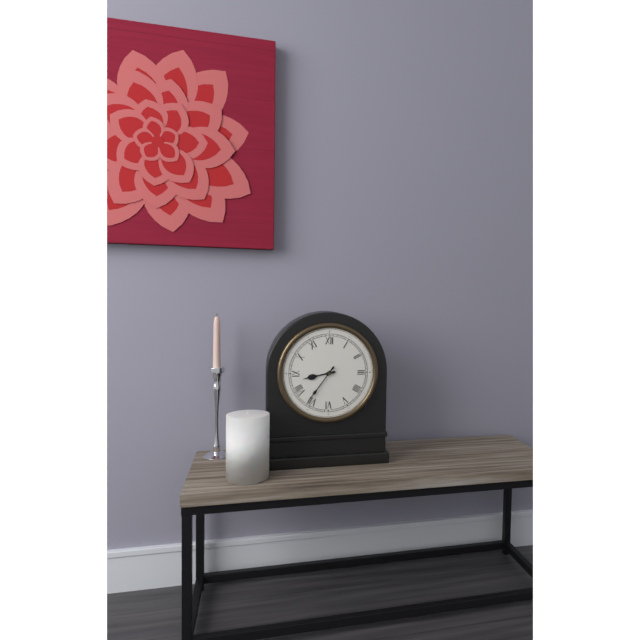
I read 8.36
